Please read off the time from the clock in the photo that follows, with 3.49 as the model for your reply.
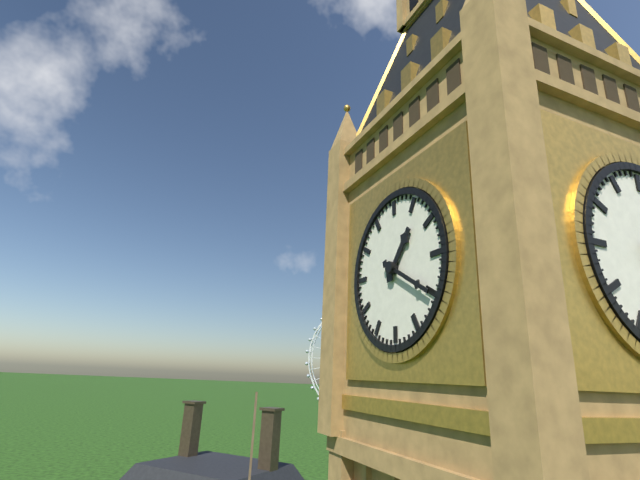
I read 1.20
